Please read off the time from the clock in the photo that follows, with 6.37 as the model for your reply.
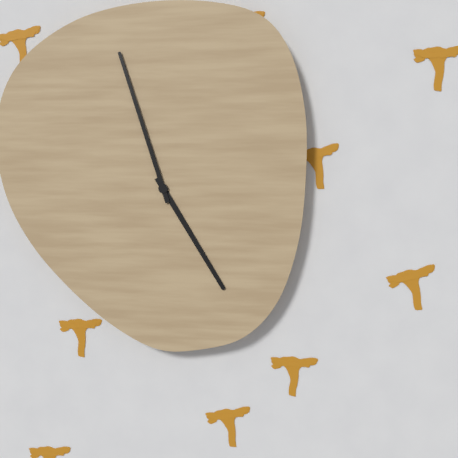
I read 4.57
